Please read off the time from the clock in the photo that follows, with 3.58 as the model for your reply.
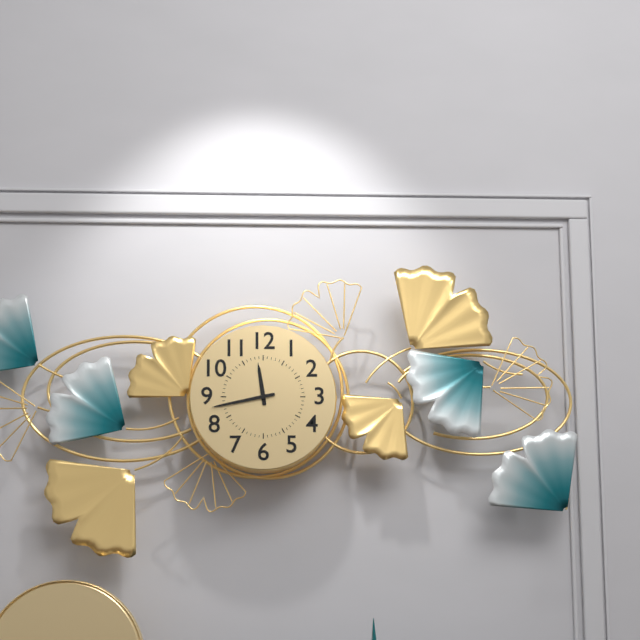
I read 11.43
